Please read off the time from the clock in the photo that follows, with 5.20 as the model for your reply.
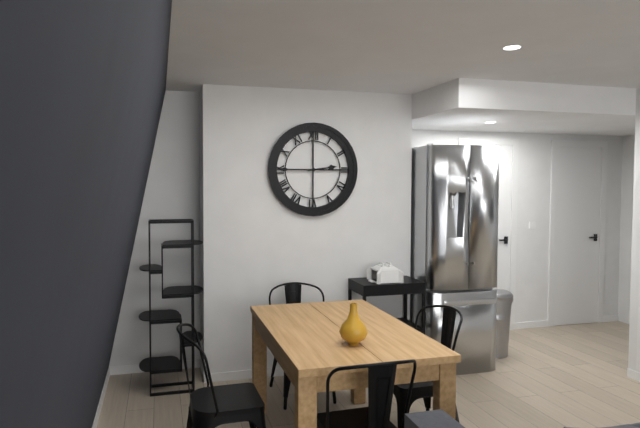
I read 2.45
